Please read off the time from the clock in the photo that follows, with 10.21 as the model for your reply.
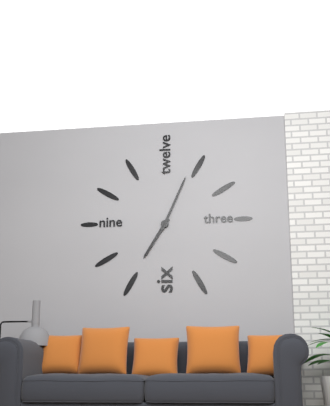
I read 7.04
